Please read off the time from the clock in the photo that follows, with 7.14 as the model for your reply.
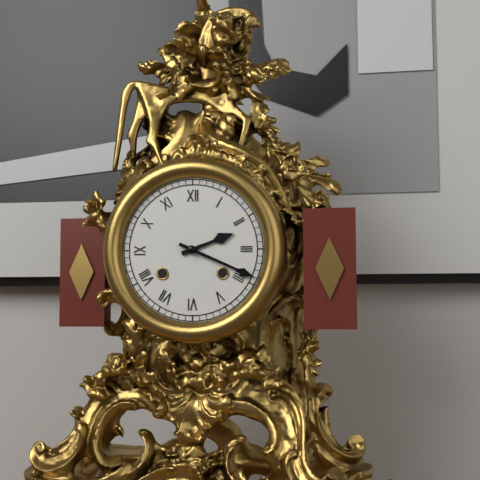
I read 2.19
